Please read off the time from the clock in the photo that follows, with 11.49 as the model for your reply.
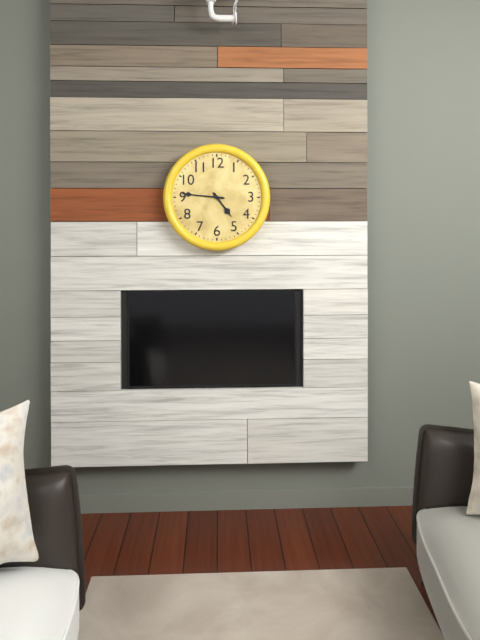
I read 4.46
